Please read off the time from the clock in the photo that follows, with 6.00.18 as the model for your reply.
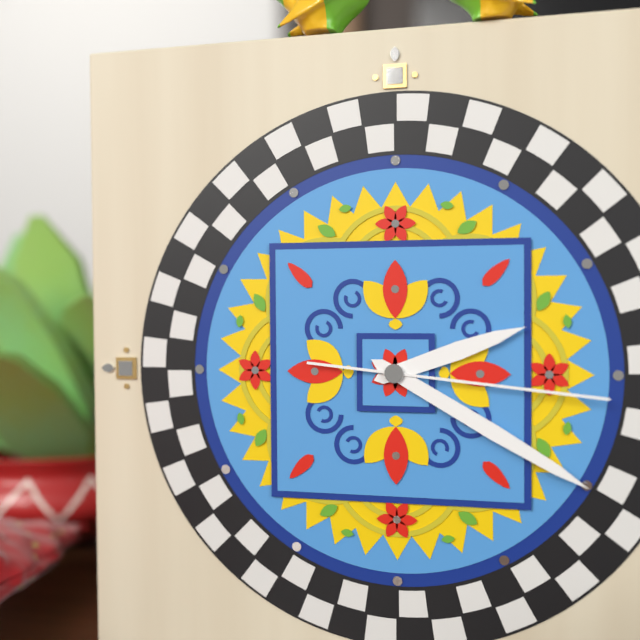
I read 2.20.16
